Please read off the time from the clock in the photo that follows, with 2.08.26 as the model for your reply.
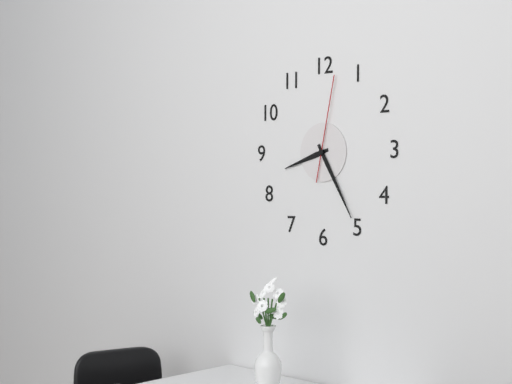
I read 8.25.02
